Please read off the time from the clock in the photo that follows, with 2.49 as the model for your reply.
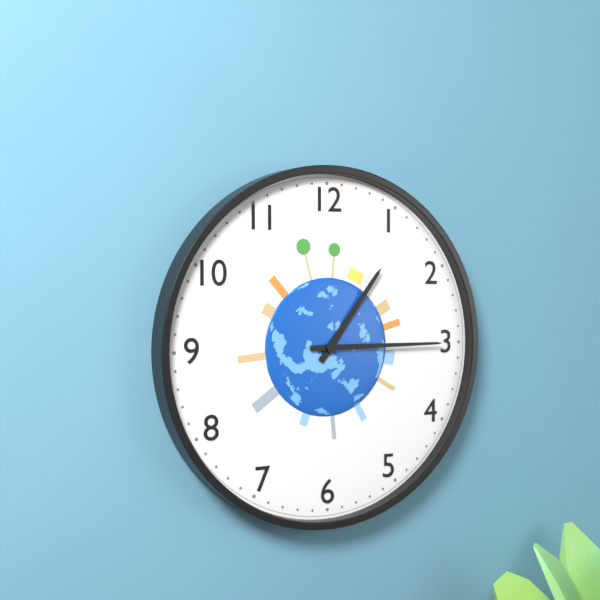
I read 1.15
